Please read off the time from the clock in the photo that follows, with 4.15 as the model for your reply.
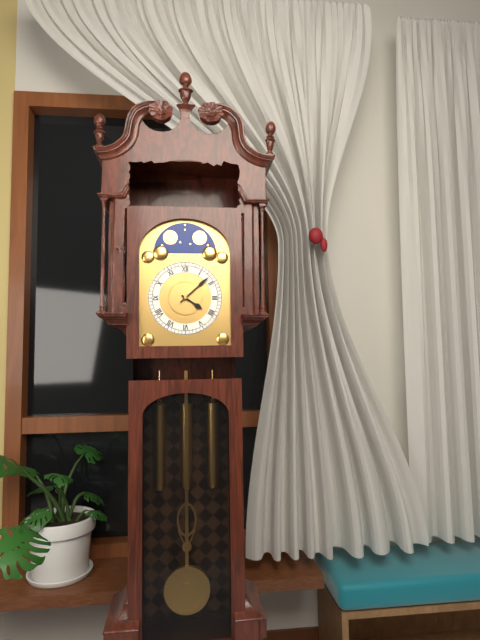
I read 4.08
